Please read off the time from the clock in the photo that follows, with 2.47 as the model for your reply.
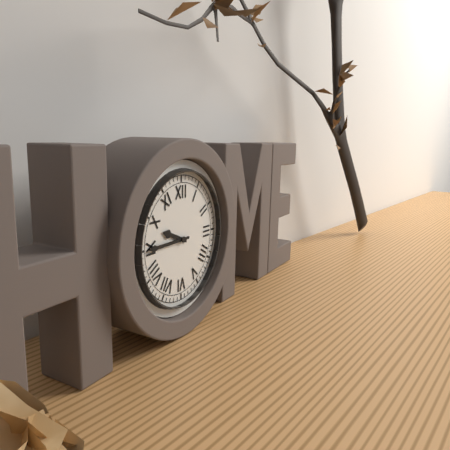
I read 9.45
